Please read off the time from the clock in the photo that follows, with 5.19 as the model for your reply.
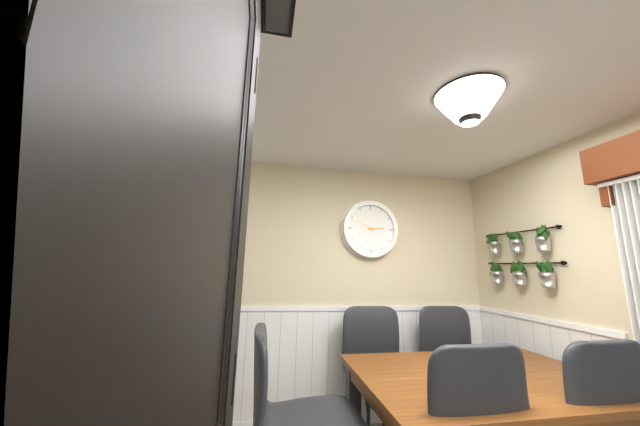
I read 2.50
